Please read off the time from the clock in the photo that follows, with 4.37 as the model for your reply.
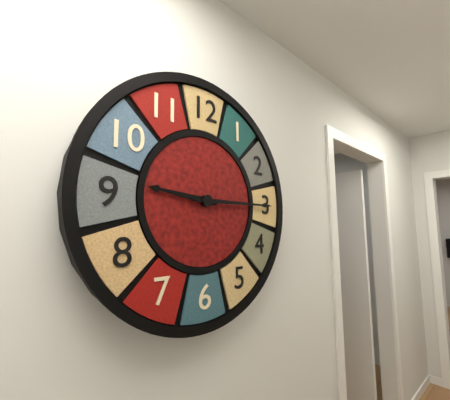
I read 9.15
